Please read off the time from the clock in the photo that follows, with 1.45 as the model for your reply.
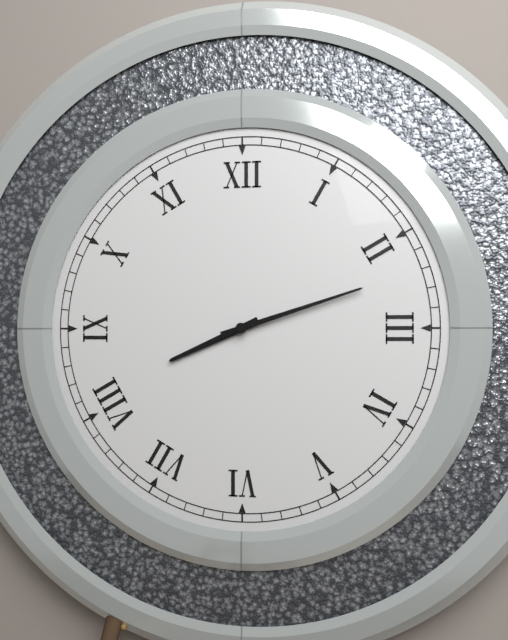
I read 8.12
